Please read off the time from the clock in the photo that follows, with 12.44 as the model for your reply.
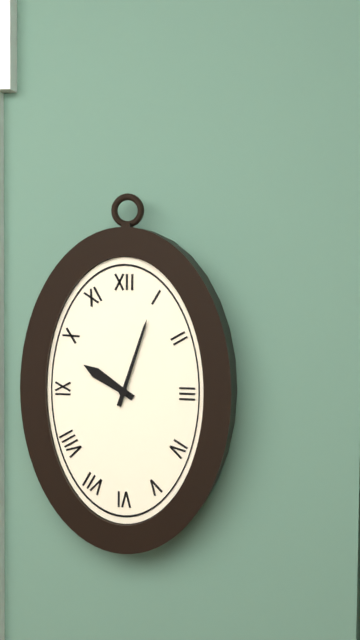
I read 10.03
